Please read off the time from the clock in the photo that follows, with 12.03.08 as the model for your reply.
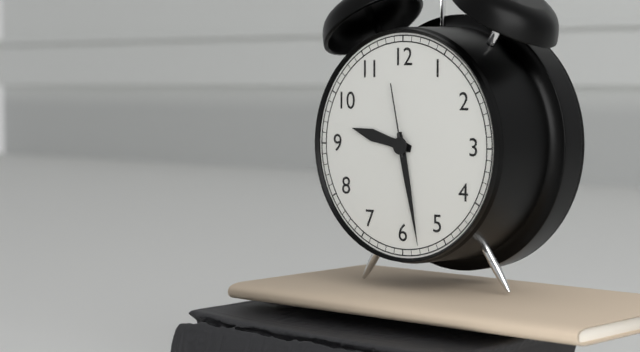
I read 9.28.58
